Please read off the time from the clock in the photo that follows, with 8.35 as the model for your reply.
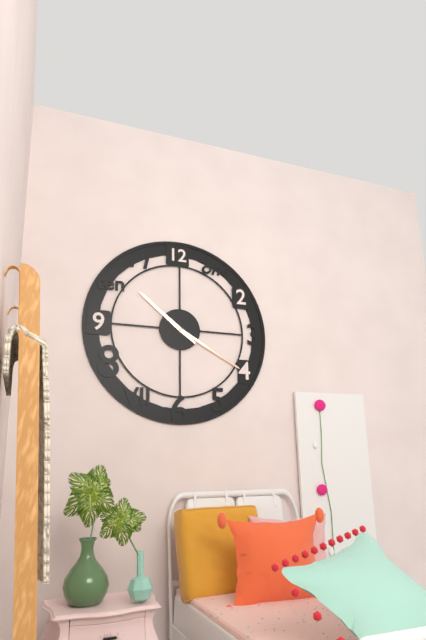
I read 10.20
